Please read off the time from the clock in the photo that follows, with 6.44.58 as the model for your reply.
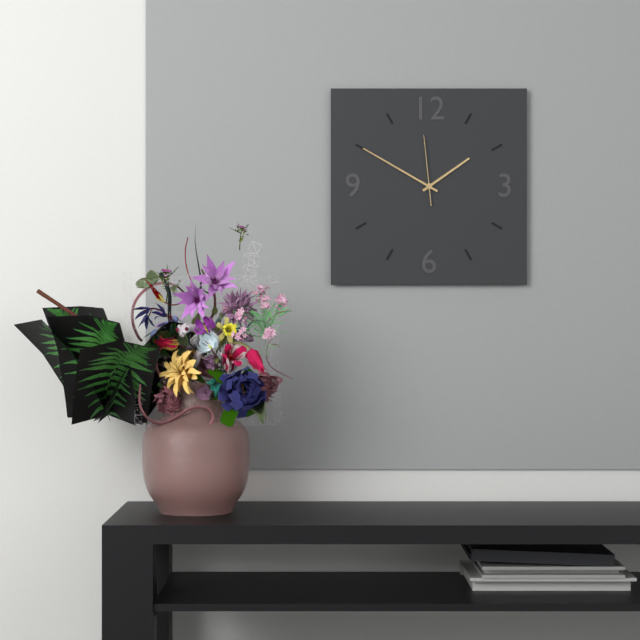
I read 1.50.59
